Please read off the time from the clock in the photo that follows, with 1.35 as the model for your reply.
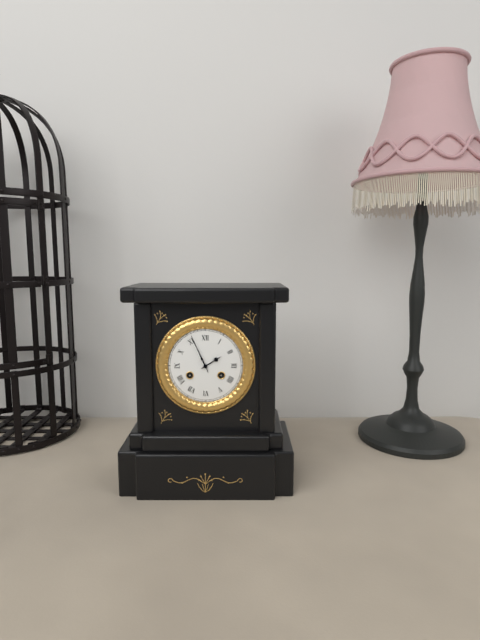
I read 1.56
